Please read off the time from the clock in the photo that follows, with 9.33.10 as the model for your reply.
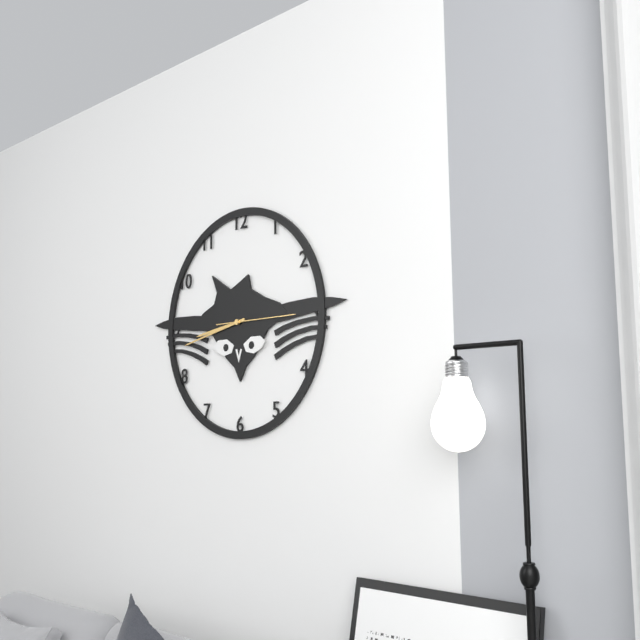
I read 8.43.15
